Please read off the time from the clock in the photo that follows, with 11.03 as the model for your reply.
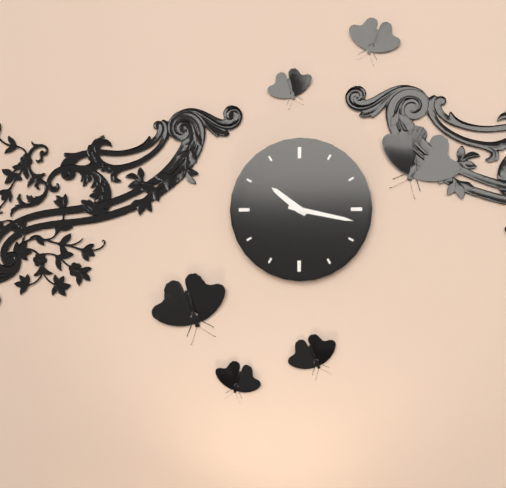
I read 10.17
